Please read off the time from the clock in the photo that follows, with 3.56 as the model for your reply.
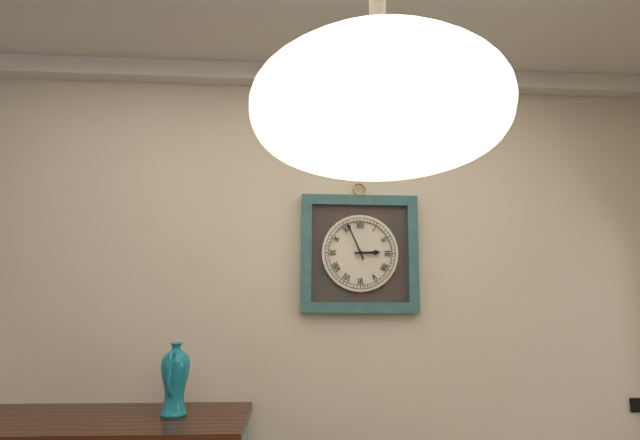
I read 2.56
